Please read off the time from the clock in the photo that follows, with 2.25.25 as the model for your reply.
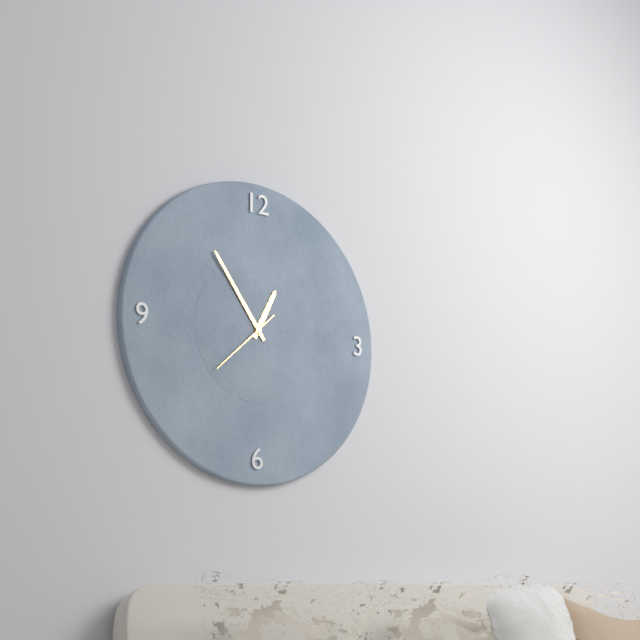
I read 12.54.38
